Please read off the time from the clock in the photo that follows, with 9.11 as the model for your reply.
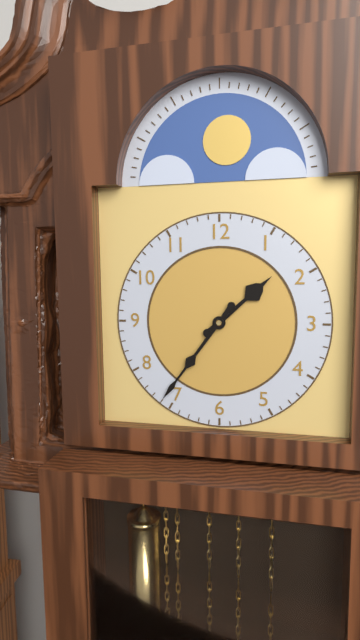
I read 1.36
